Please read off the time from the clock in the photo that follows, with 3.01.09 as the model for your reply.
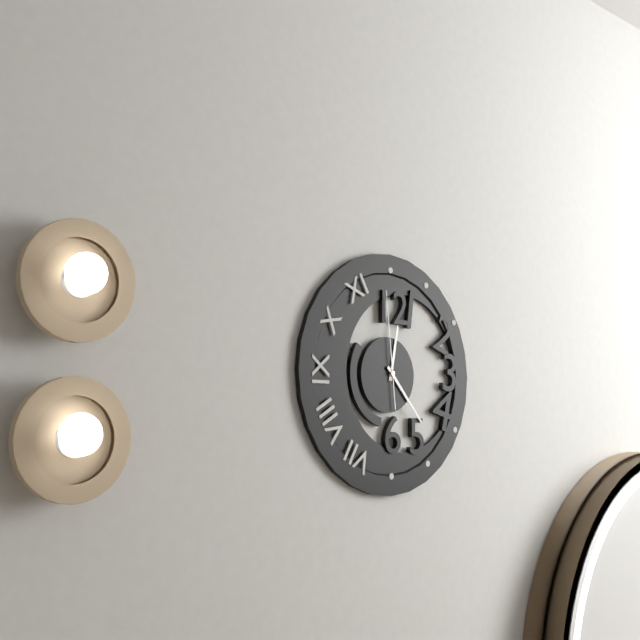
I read 12.23.59
